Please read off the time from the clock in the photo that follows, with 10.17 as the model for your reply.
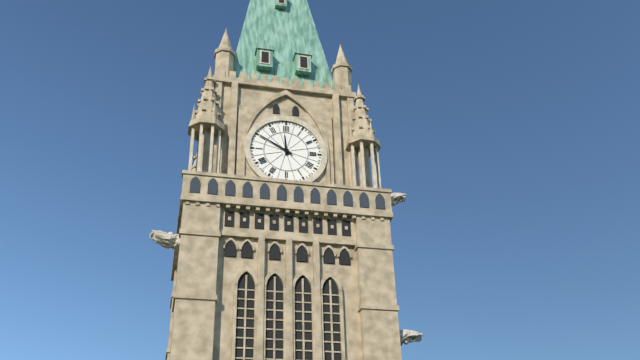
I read 11.50
